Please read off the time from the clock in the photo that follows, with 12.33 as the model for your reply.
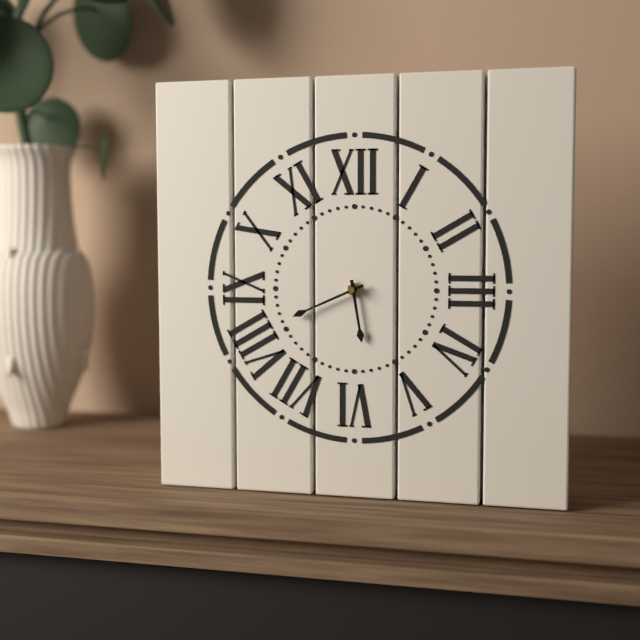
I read 5.41
